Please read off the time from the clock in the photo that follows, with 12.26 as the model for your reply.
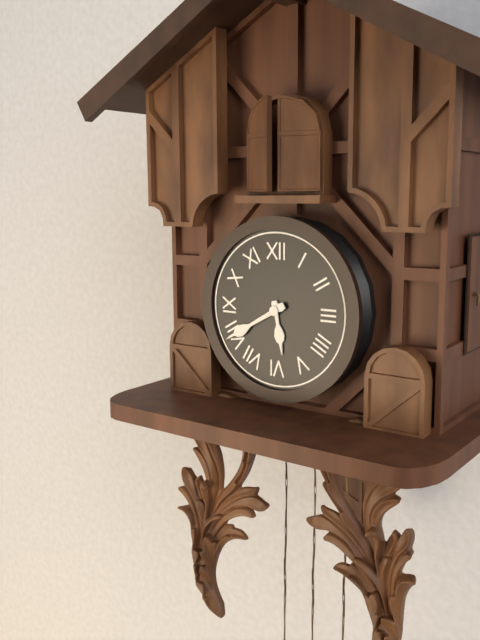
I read 5.40
